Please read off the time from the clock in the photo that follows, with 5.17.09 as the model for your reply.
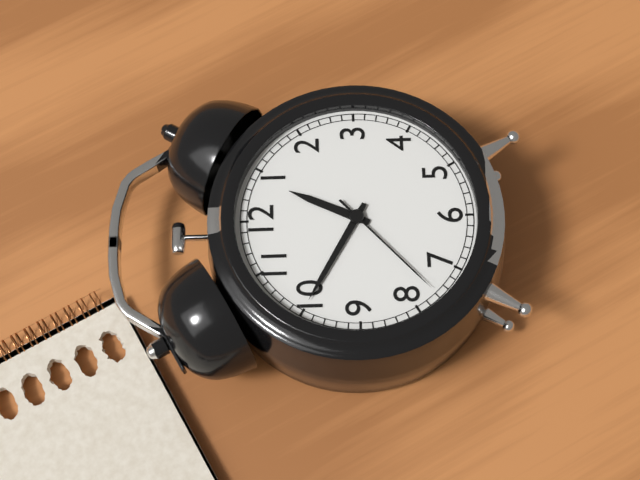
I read 12.50.38
